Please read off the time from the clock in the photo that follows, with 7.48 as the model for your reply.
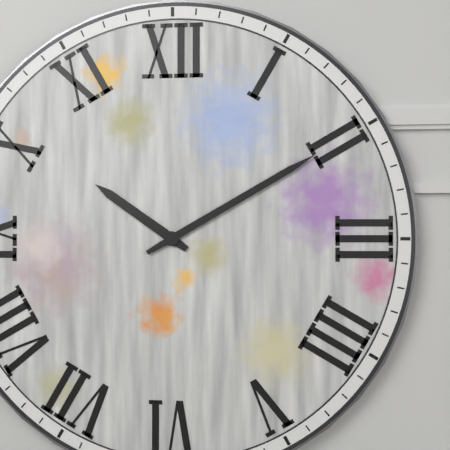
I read 10.10
